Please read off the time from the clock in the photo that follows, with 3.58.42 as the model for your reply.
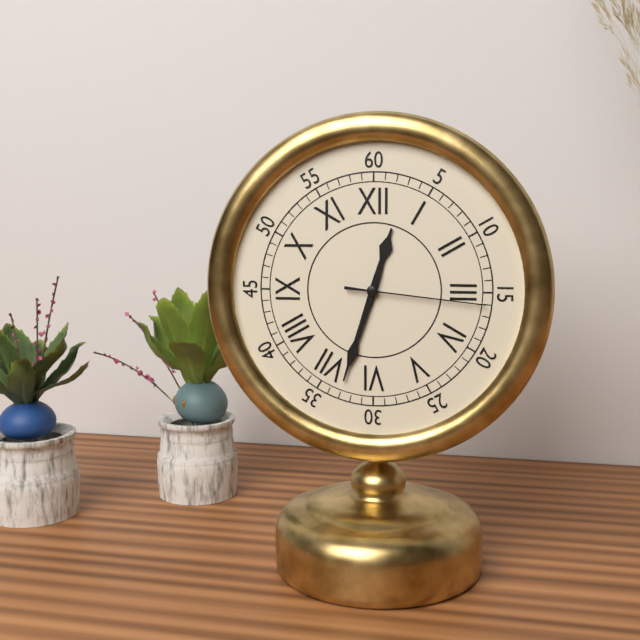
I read 12.33.16
